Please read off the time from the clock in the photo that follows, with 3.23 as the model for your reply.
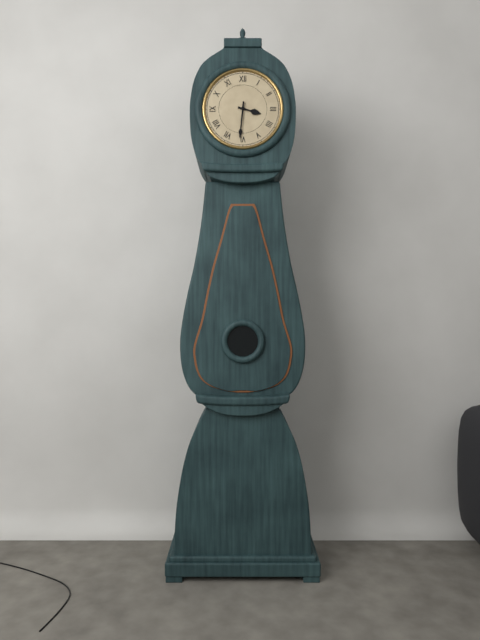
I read 3.31
